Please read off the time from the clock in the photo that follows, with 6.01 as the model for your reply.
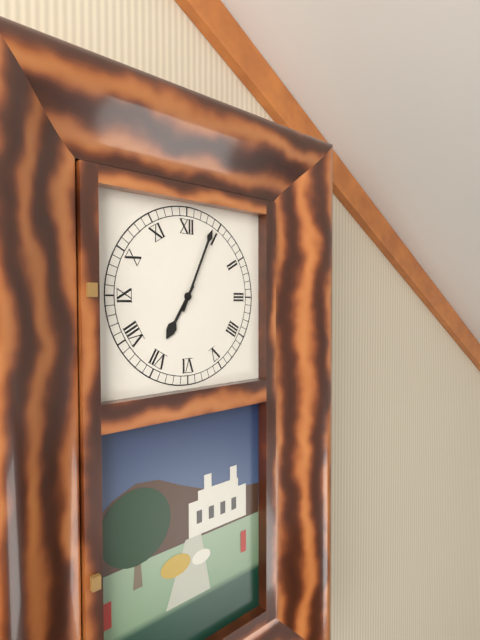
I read 7.04
